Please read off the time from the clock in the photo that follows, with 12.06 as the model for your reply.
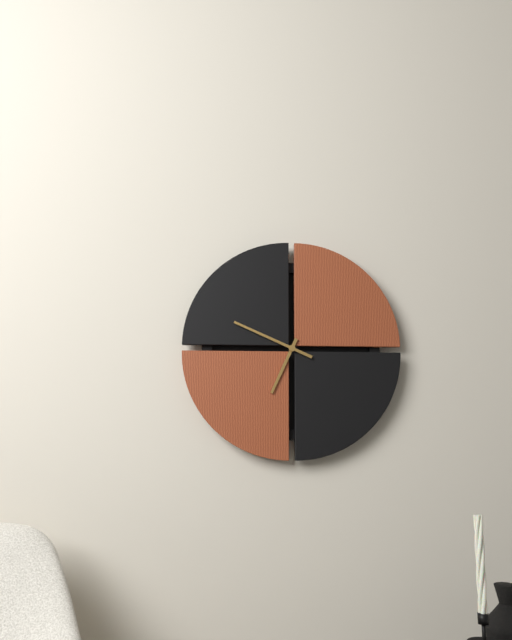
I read 6.49
